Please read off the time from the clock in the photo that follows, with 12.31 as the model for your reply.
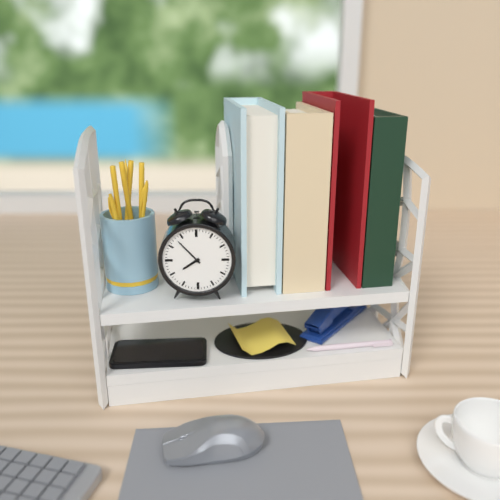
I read 7.53
